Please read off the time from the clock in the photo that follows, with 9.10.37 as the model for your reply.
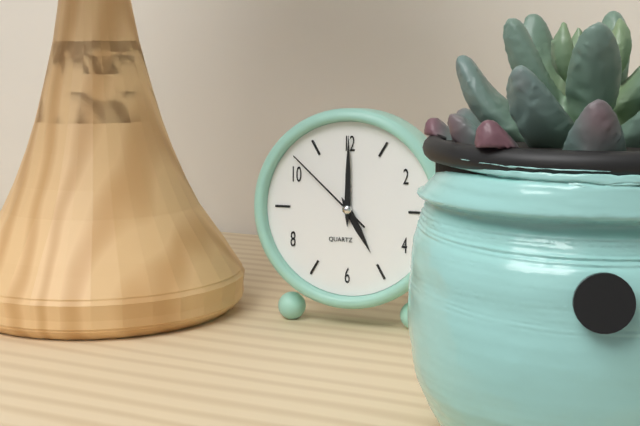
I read 5.00.52
